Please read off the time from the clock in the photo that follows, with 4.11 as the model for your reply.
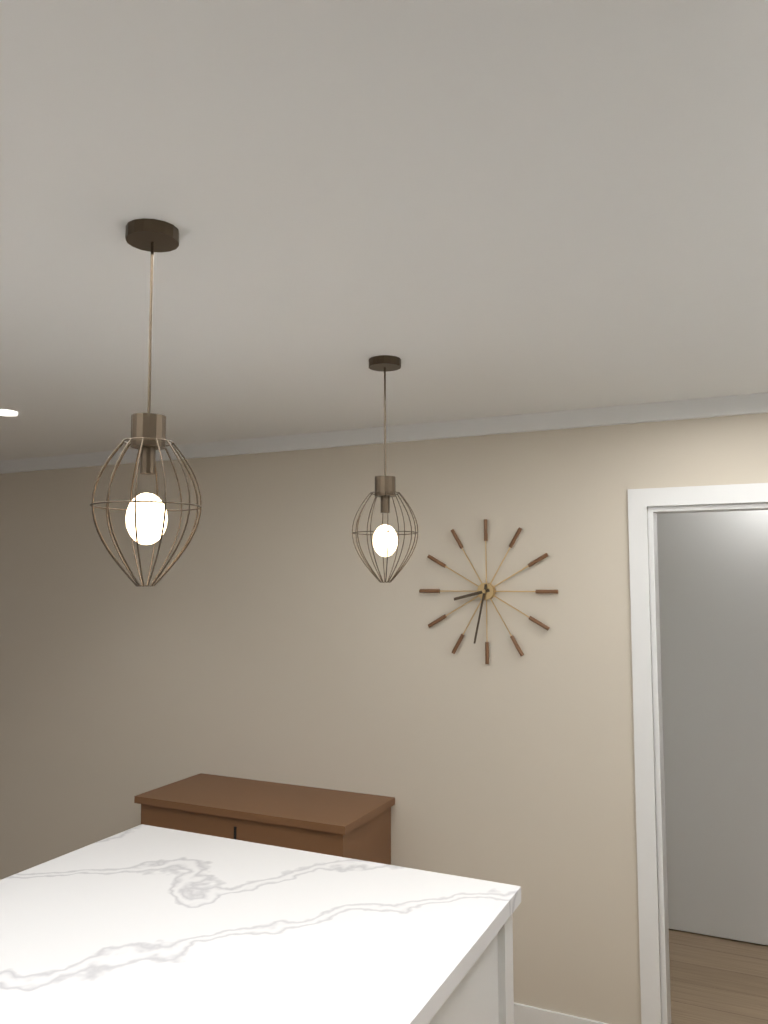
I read 8.32
